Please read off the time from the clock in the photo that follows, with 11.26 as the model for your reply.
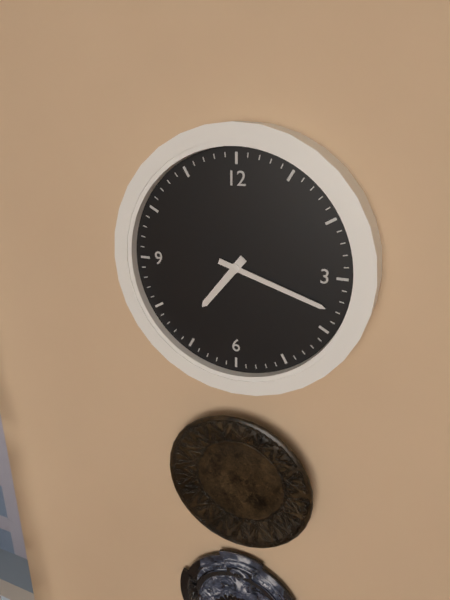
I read 7.18
